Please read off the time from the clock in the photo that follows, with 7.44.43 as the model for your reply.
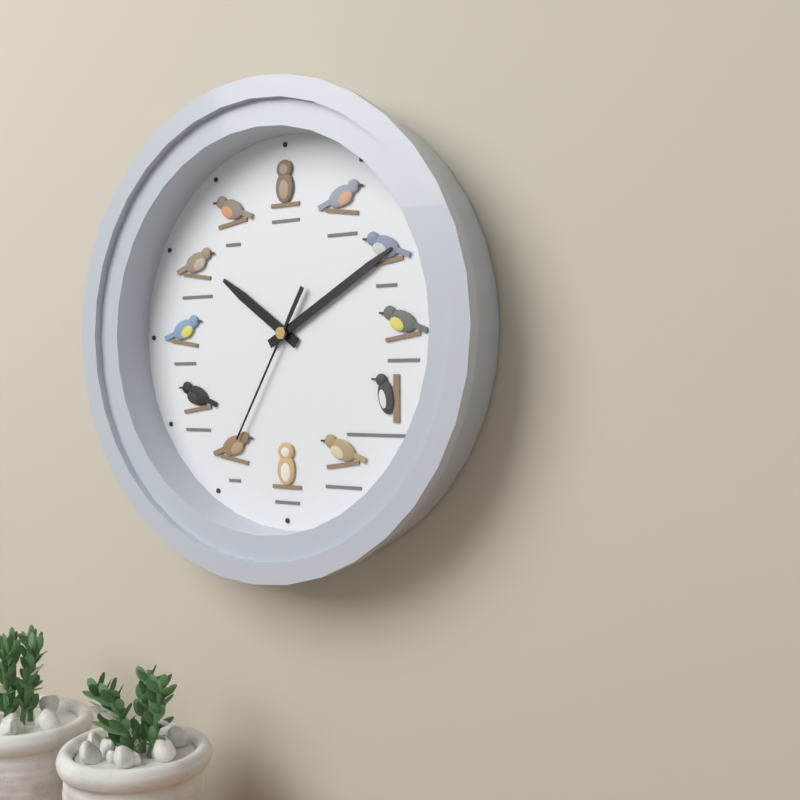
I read 10.10.35
